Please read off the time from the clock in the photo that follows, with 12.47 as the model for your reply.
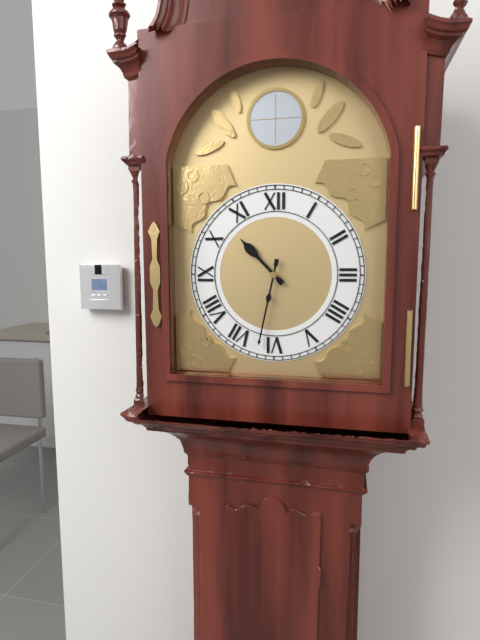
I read 10.32
